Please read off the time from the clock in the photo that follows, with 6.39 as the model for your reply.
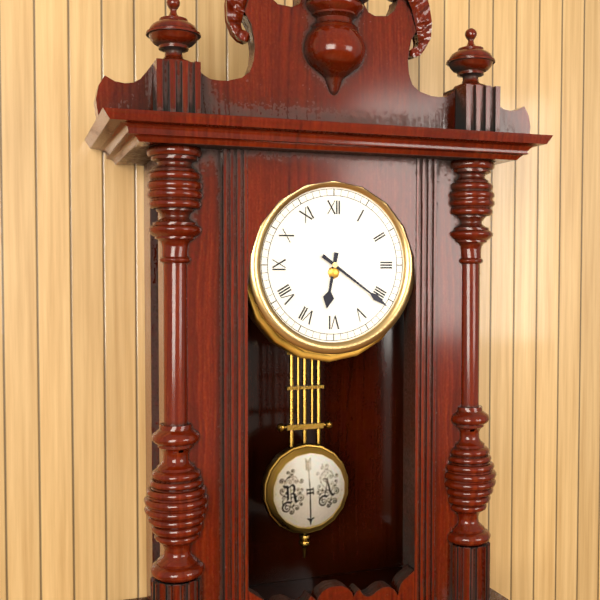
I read 6.21
